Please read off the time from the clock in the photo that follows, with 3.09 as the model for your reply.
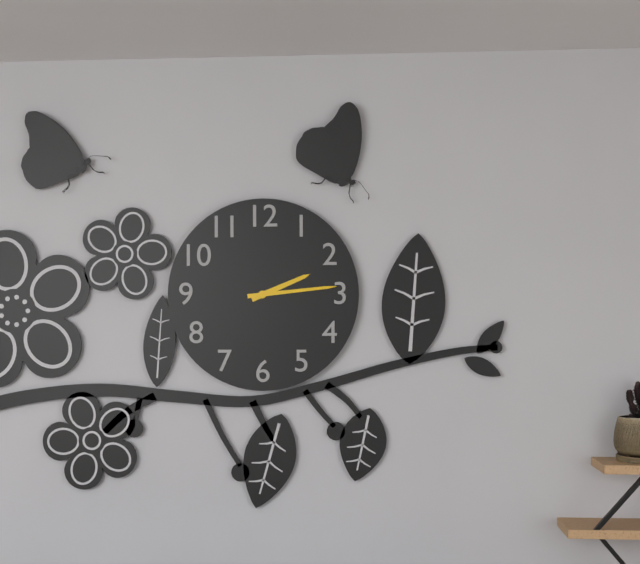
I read 2.14
